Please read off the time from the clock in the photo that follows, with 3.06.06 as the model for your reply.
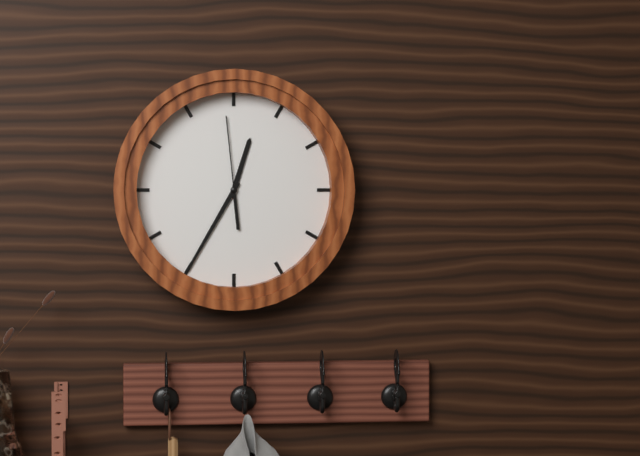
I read 12.35.59
